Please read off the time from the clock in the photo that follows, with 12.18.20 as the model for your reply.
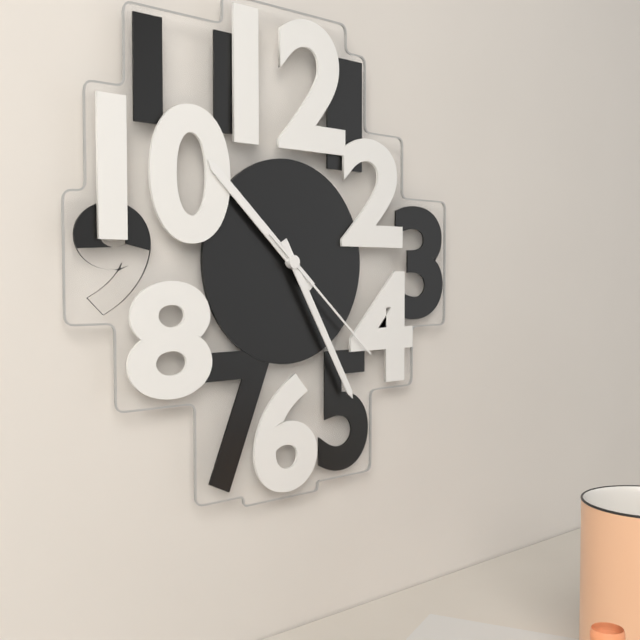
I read 10.25.22
